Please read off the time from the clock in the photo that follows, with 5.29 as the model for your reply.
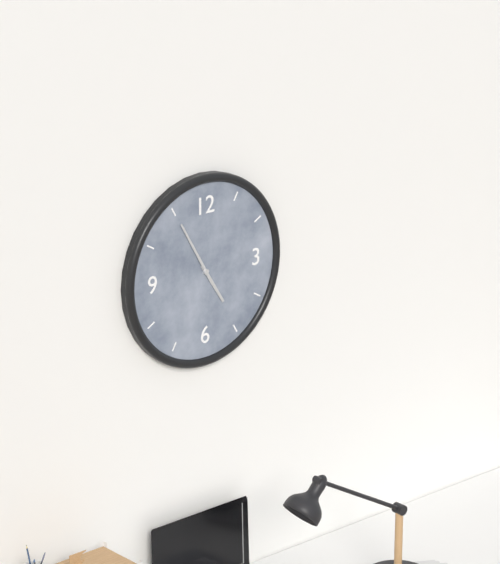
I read 4.55
